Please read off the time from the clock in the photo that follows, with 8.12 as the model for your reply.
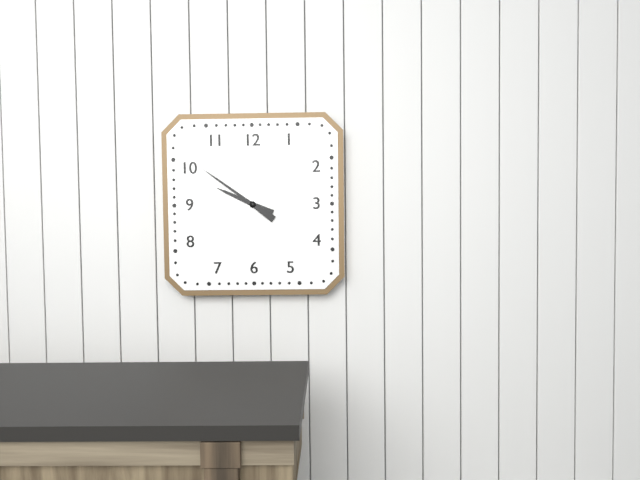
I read 9.51
